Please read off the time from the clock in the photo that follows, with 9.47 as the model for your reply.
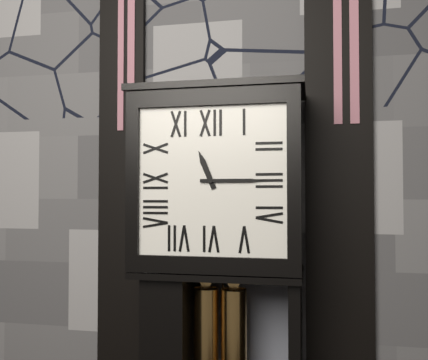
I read 11.15
